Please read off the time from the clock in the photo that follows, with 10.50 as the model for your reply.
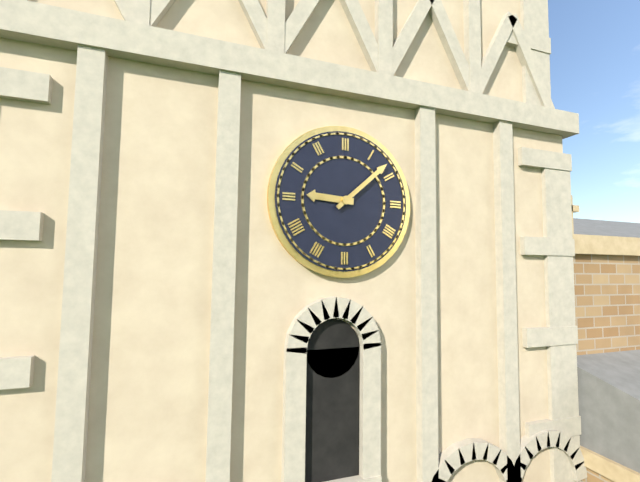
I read 9.08
